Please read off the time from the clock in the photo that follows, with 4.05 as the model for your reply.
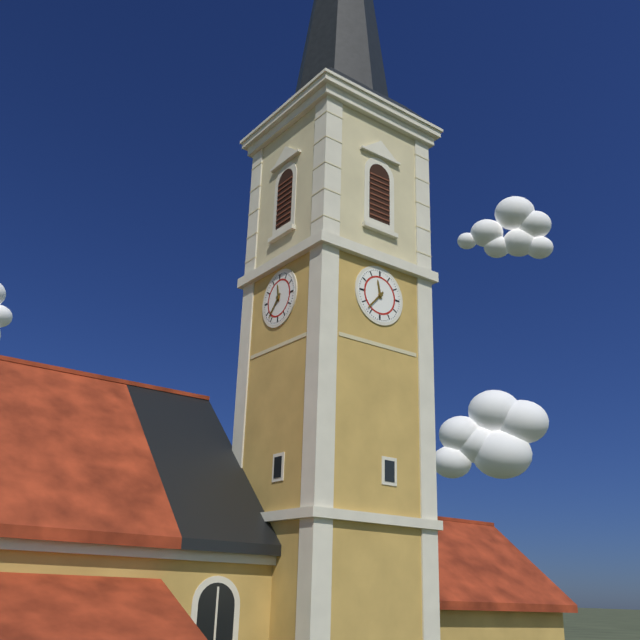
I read 11.37
